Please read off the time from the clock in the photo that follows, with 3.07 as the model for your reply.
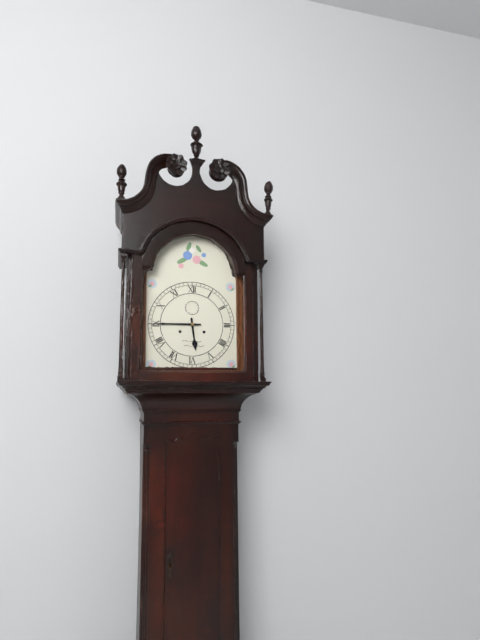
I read 5.45
